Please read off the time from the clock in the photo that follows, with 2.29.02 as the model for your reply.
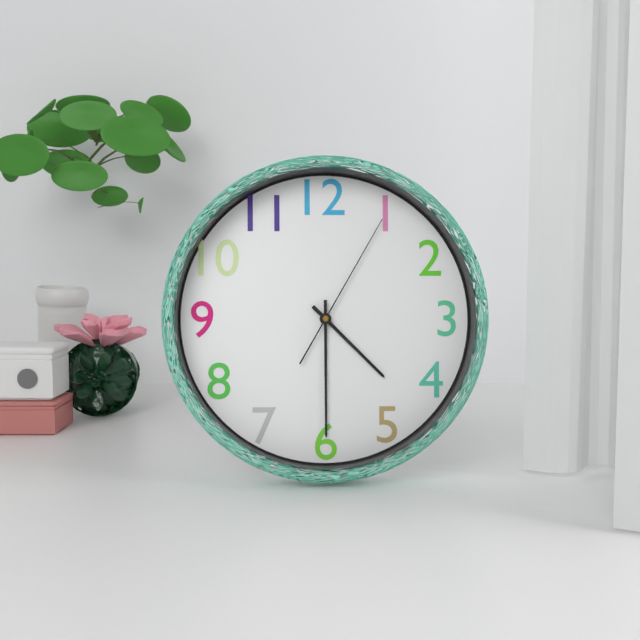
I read 4.30.05
